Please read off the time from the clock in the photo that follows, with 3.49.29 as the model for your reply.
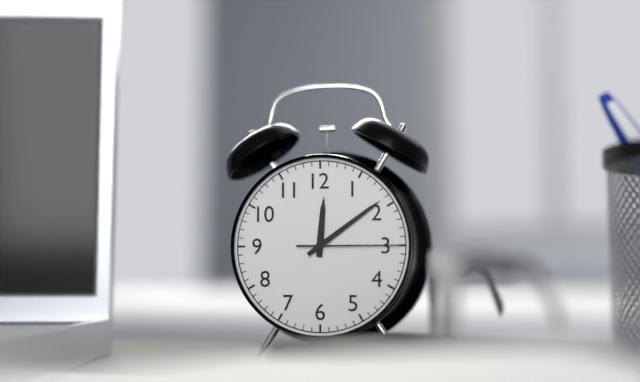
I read 12.09.15
